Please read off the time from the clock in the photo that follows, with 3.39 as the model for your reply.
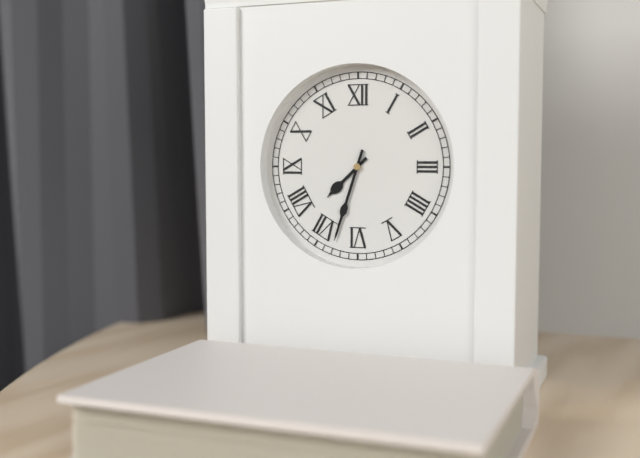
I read 7.33
